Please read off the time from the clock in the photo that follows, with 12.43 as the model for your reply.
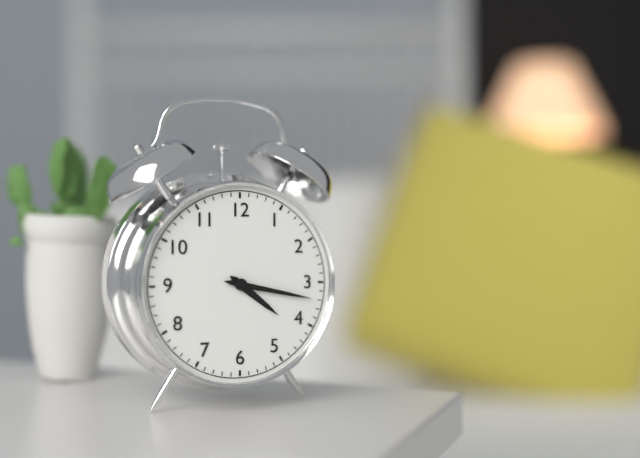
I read 4.17
